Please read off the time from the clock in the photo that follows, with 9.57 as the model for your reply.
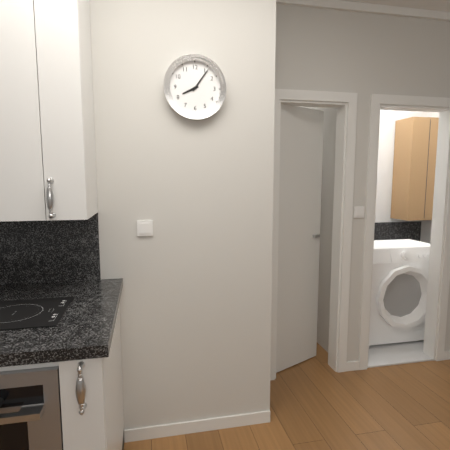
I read 8.06
